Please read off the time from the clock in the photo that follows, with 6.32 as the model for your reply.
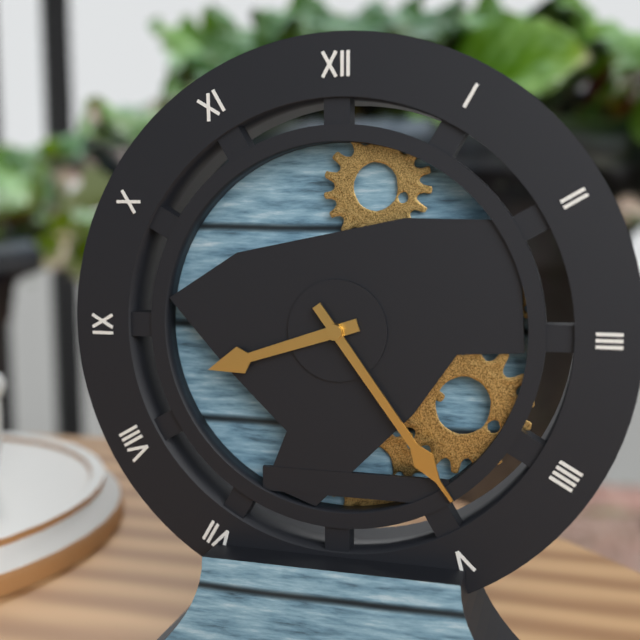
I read 8.24
